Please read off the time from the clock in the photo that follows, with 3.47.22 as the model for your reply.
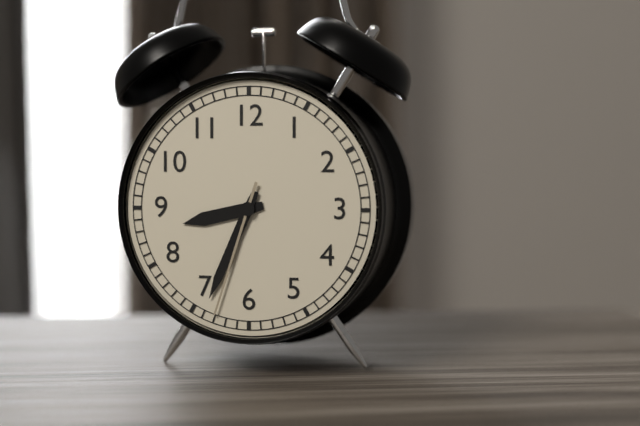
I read 8.34.33
